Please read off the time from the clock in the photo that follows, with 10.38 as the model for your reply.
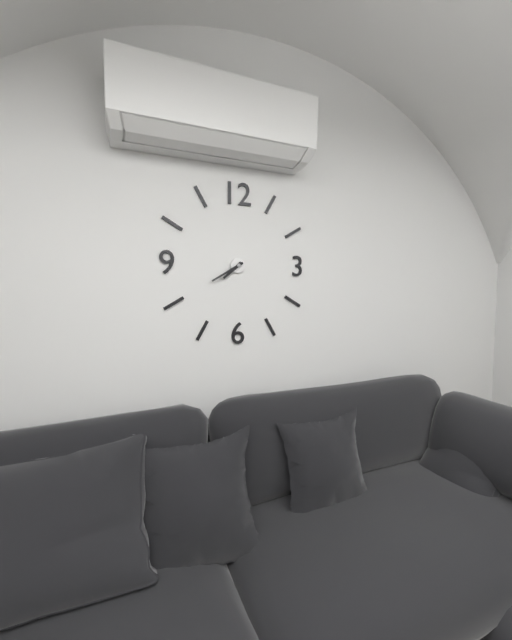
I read 7.40
